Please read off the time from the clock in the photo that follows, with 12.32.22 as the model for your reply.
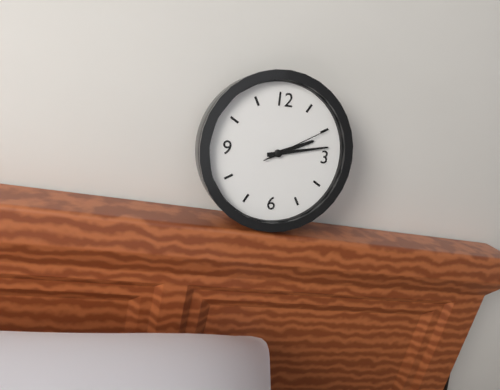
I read 2.13.10
